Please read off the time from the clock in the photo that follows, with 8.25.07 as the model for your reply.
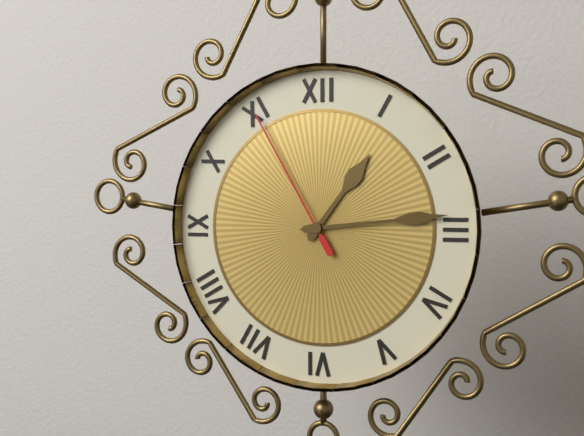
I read 1.14.55
